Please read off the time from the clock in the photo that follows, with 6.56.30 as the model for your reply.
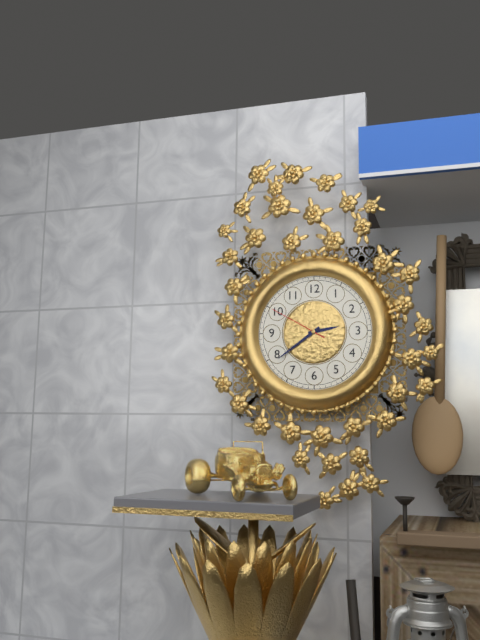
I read 2.39.50
